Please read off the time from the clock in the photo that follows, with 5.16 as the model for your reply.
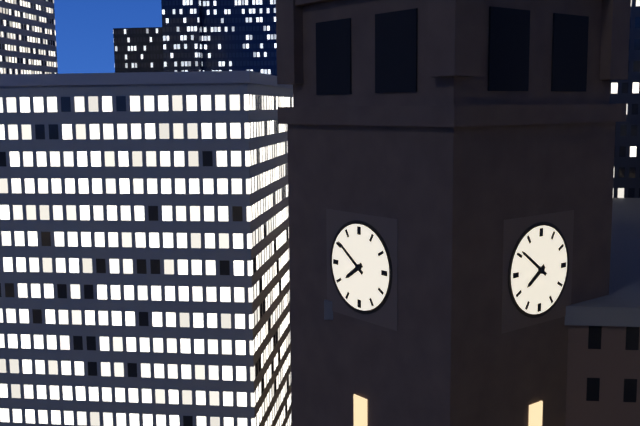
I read 7.51
